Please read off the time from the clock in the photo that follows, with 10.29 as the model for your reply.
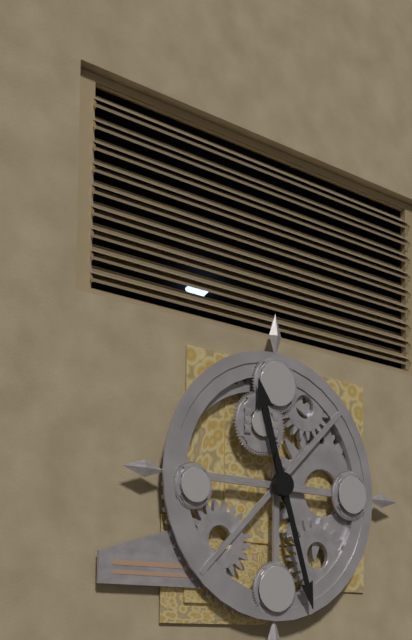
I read 11.27
